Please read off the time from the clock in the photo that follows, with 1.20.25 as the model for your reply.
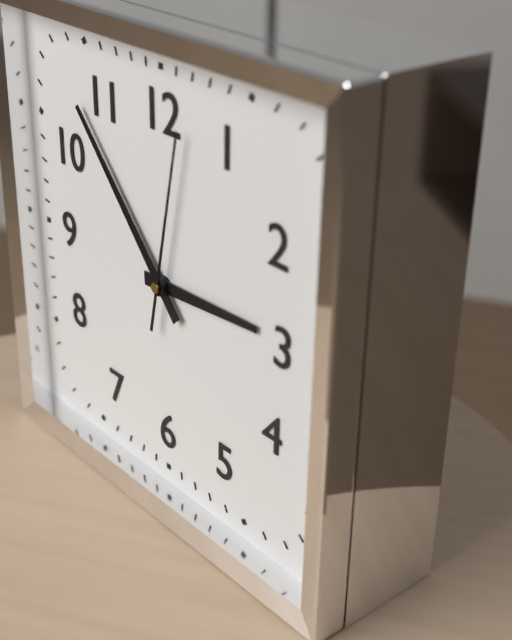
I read 2.53.02
